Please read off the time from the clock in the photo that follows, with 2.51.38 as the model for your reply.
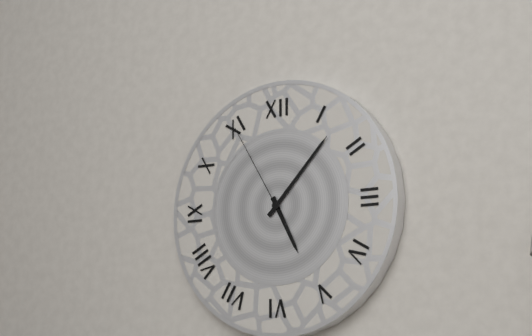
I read 5.07.55
